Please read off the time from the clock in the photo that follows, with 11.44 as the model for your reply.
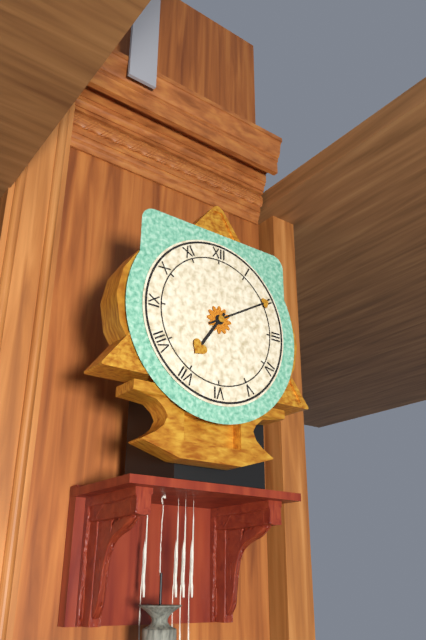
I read 7.10
